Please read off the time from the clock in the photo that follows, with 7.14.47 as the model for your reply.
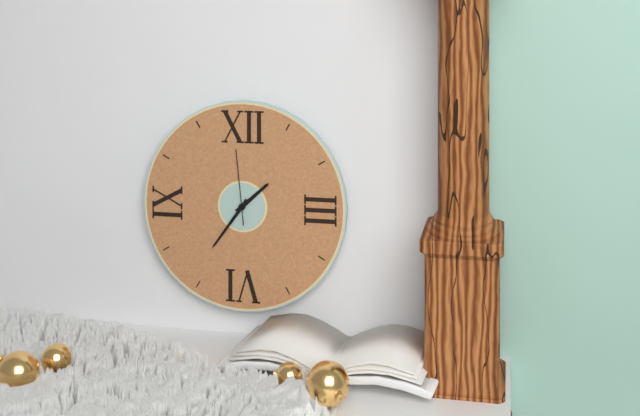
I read 1.36.59
